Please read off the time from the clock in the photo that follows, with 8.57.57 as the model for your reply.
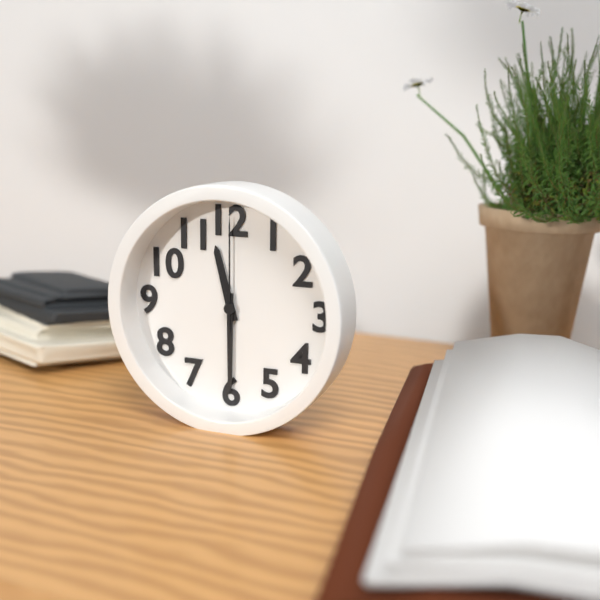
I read 11.30.00
